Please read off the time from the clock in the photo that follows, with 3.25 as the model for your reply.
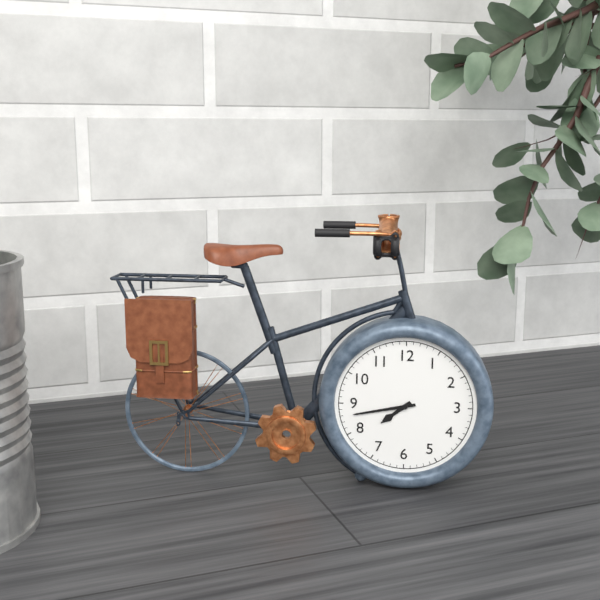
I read 7.43
